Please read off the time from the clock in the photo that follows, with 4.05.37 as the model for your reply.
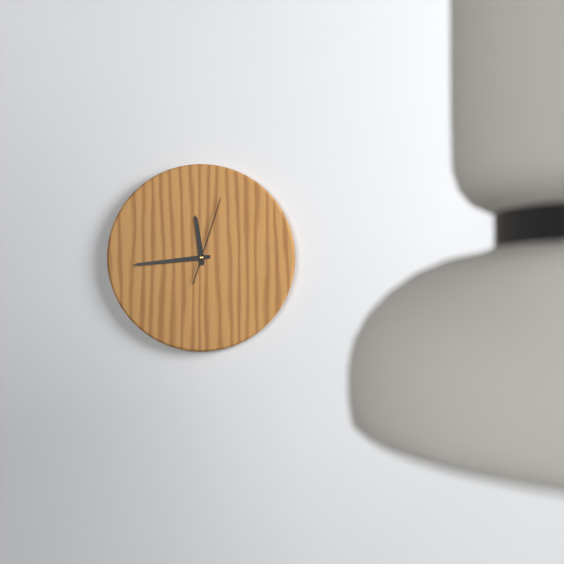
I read 11.44.03
